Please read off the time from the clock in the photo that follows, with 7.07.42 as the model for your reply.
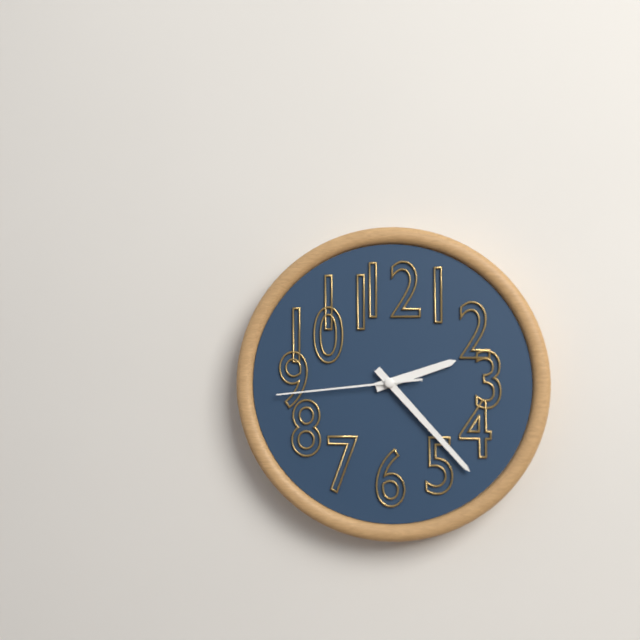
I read 2.23.44
